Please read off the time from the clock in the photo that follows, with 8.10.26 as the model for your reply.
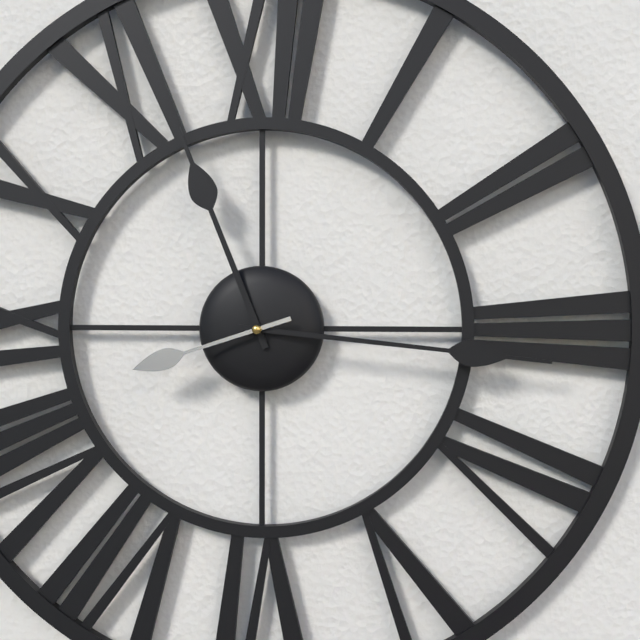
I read 11.16.42
